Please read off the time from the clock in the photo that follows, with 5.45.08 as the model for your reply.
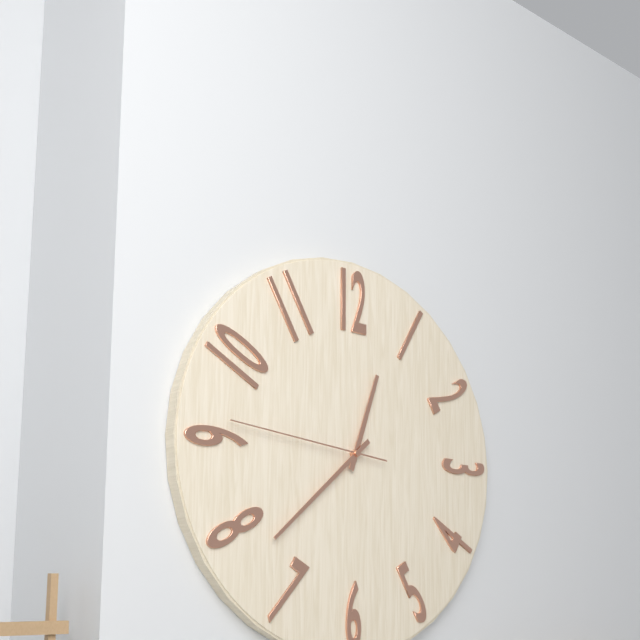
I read 12.38.46
